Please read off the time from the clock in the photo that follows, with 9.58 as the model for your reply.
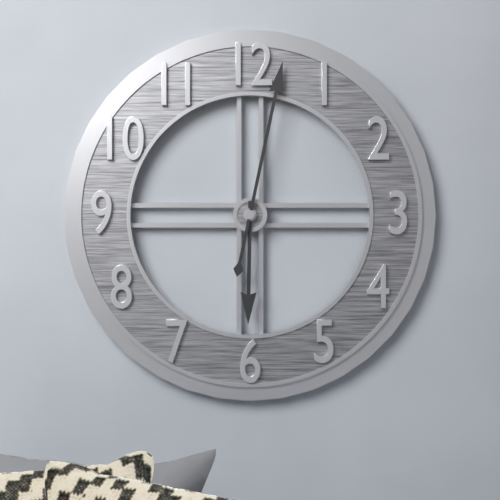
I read 6.02
